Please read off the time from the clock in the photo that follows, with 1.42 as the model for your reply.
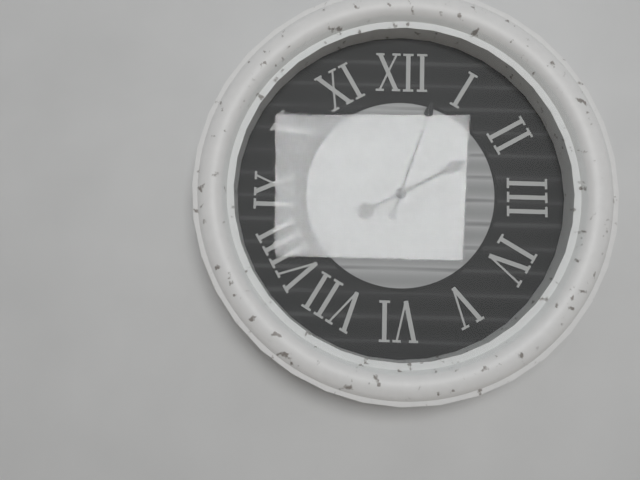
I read 2.03
